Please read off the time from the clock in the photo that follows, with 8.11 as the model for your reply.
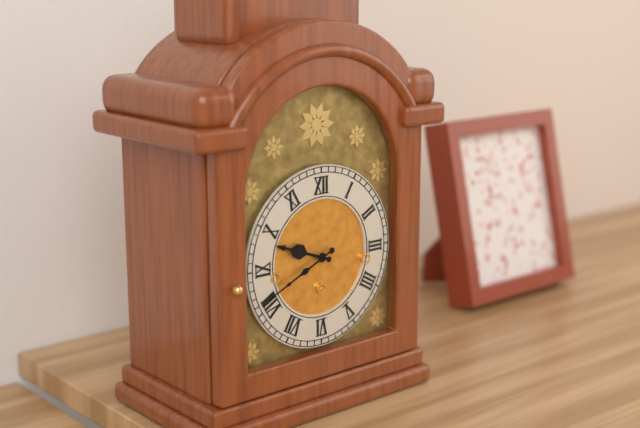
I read 9.41
